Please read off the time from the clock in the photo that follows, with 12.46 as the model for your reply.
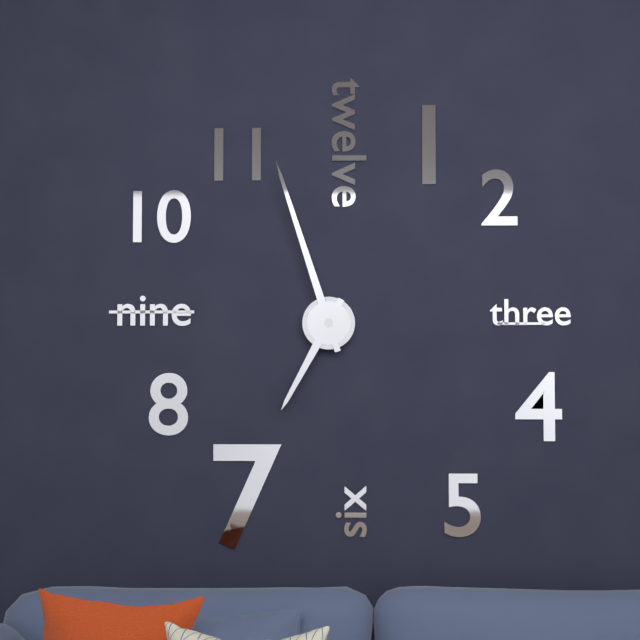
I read 6.57
